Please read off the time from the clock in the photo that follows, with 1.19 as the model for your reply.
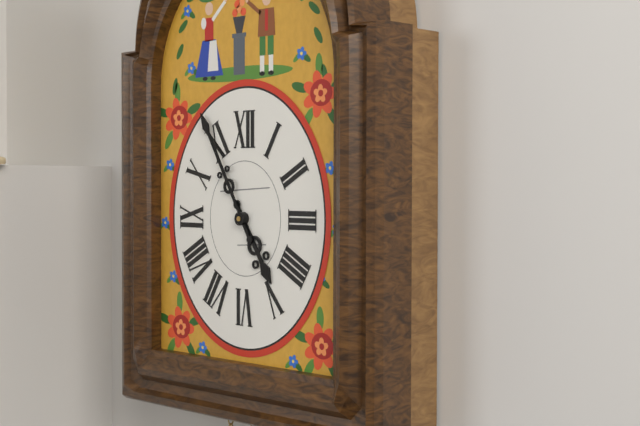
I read 4.55
